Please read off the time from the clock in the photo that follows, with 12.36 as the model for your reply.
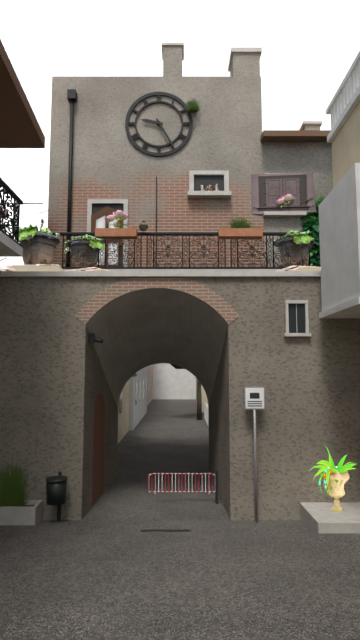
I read 9.25
